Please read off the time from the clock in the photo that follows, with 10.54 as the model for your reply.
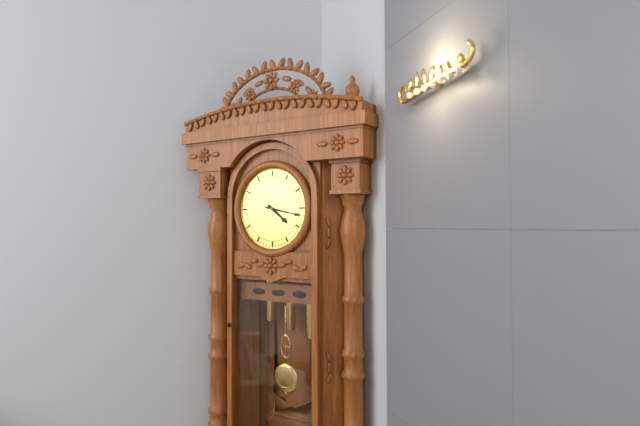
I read 4.17
